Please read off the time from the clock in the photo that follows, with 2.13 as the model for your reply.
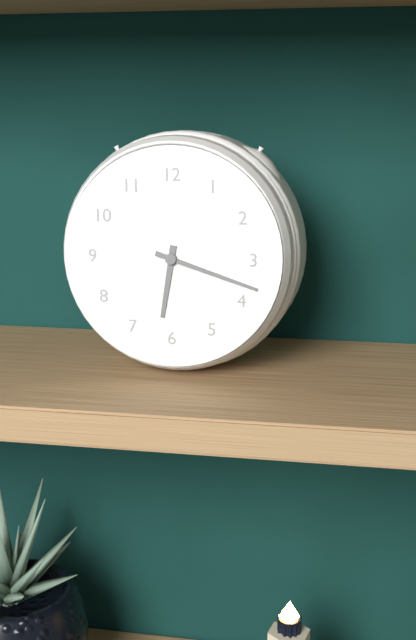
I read 6.18
